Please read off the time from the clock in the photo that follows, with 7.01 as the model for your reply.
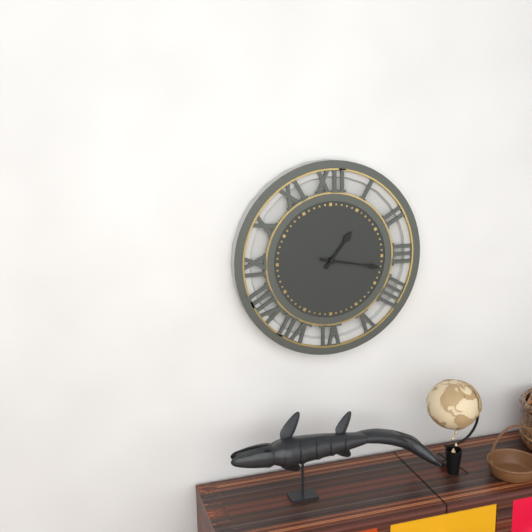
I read 1.17
